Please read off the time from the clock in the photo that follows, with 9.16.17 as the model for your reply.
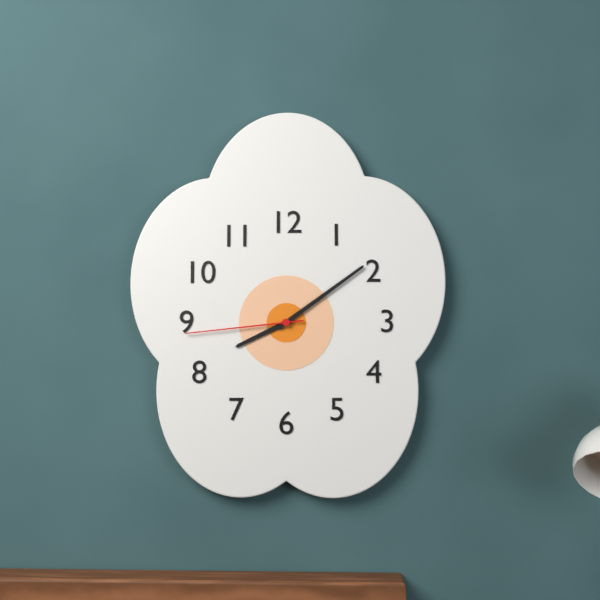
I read 8.09.44
